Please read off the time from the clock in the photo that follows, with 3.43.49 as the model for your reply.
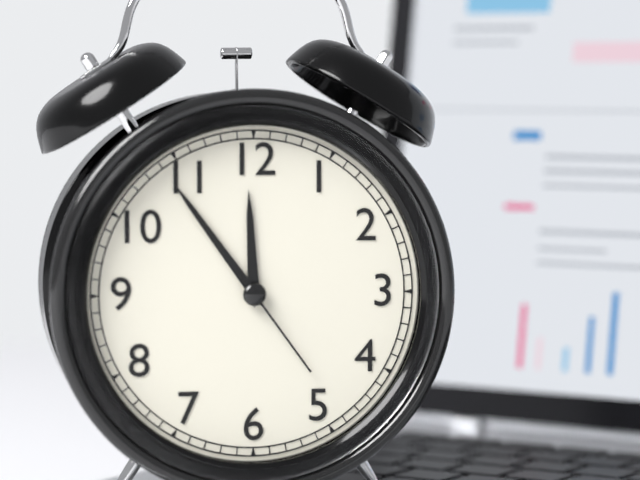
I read 11.54.24
